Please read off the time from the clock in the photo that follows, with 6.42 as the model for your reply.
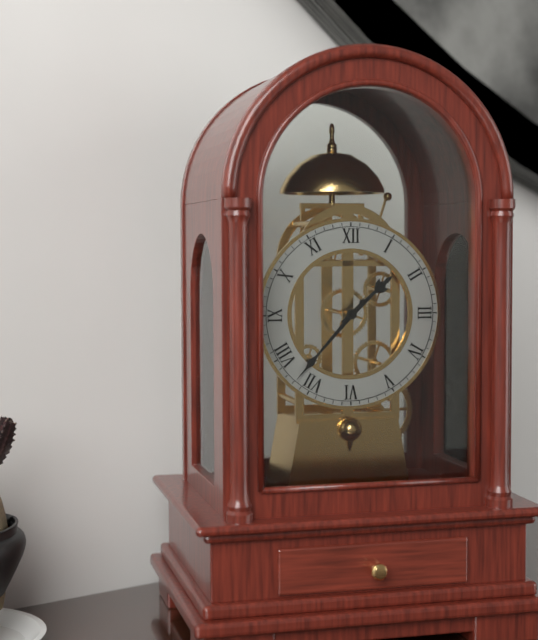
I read 1.37
